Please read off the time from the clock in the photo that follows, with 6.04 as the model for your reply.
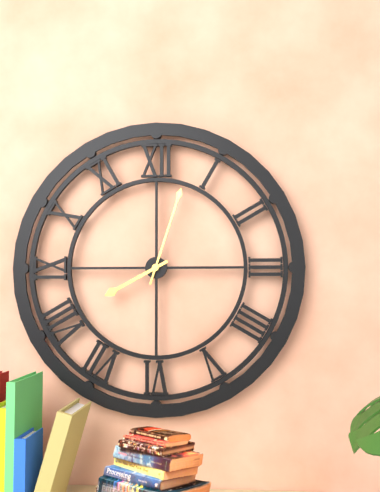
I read 8.03
